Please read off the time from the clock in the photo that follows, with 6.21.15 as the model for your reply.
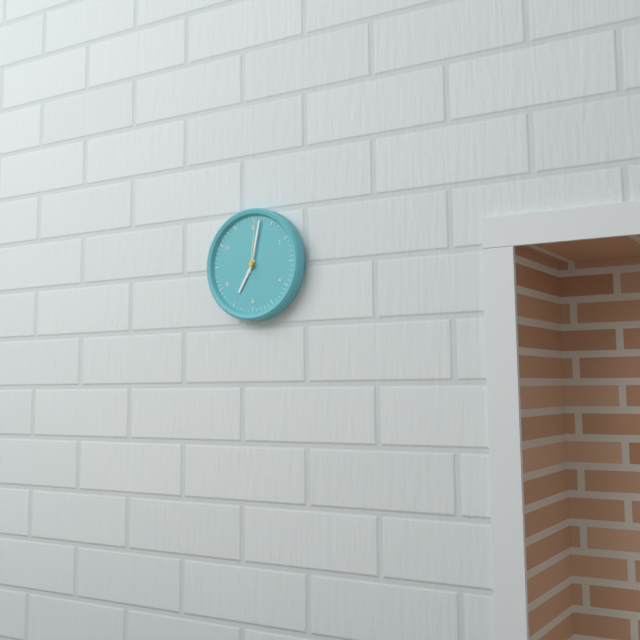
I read 7.02.01
